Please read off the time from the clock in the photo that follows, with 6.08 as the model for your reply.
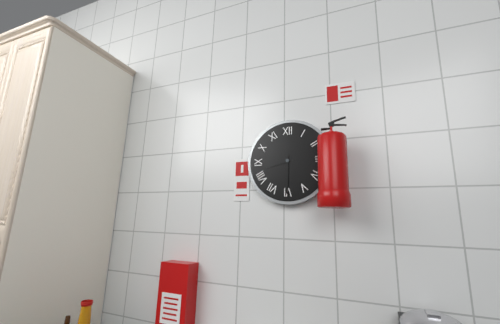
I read 8.30
